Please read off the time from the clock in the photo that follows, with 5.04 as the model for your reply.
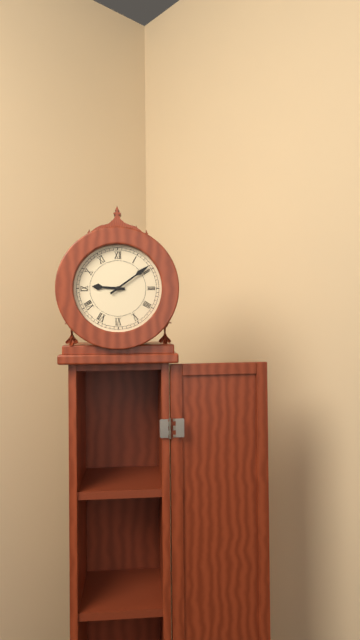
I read 9.09
